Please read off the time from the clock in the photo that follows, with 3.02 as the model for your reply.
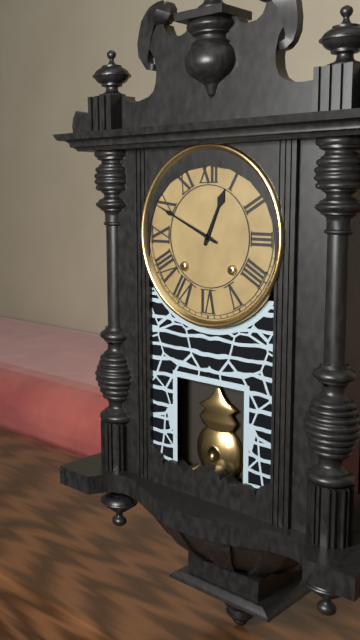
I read 12.49
